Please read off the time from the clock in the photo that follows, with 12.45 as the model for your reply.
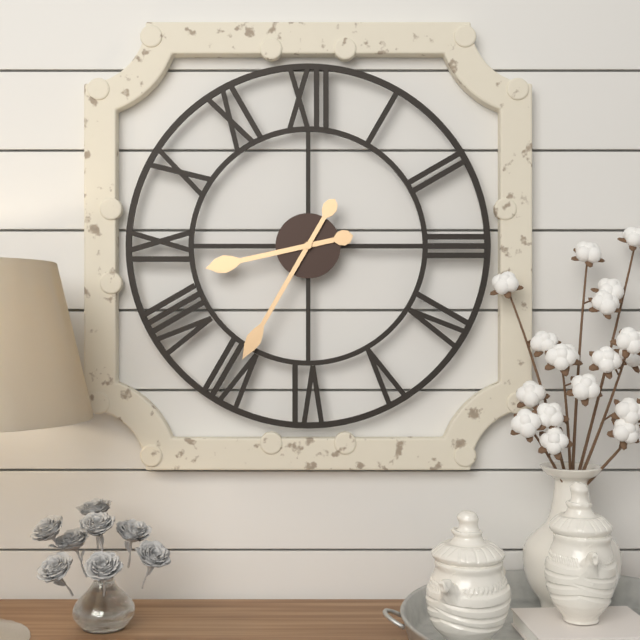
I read 8.35
